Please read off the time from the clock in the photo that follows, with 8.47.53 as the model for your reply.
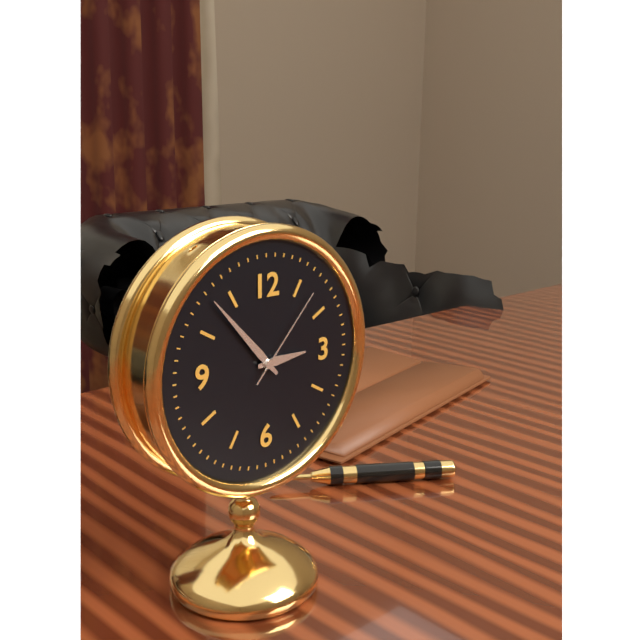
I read 2.53.07
